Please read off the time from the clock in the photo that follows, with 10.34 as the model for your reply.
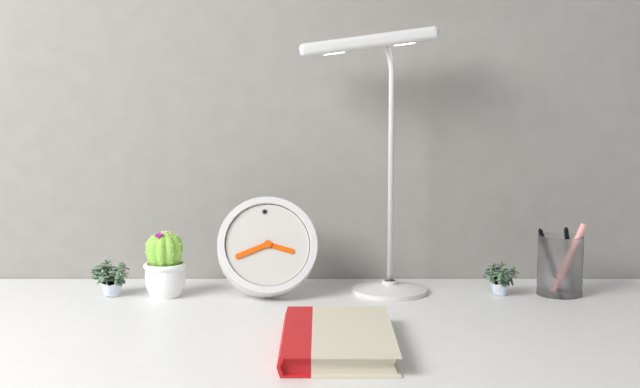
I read 3.42
